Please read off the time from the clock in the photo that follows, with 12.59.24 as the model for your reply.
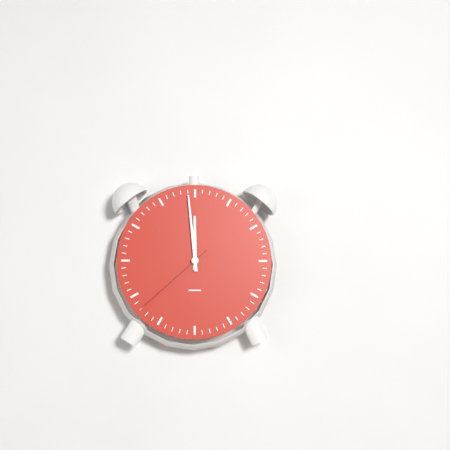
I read 11.59.38
